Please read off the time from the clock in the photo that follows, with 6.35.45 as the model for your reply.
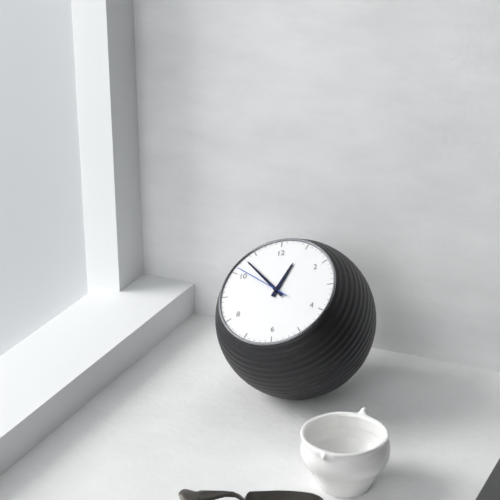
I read 12.53.51
